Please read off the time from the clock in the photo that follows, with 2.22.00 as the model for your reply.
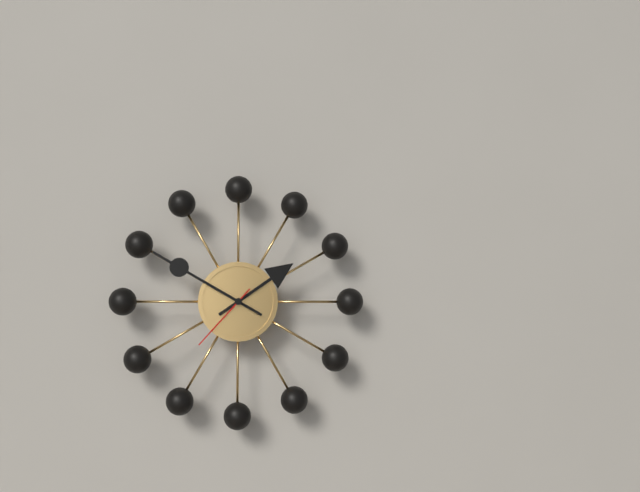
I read 1.50.37
